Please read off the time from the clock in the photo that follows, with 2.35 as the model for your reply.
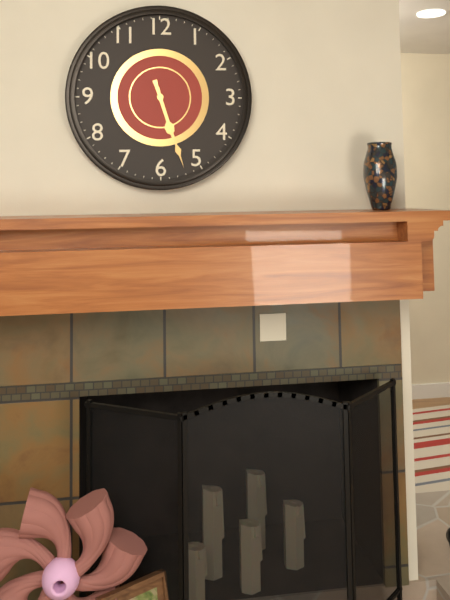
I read 5.27
